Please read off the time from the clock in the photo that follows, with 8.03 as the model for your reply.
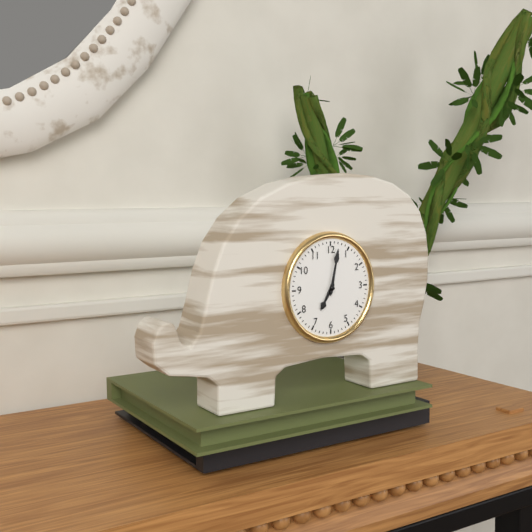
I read 7.02
